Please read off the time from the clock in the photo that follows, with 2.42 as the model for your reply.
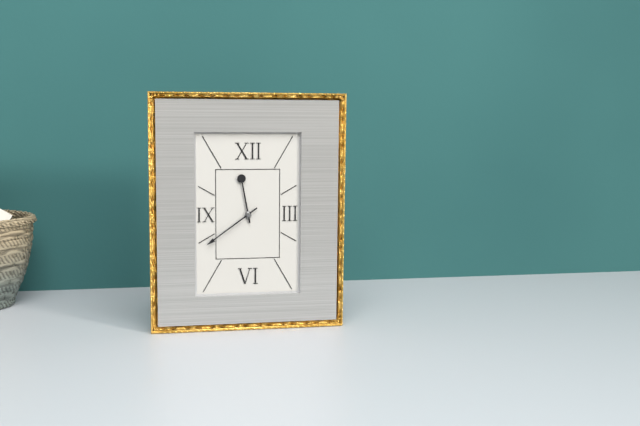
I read 11.39
